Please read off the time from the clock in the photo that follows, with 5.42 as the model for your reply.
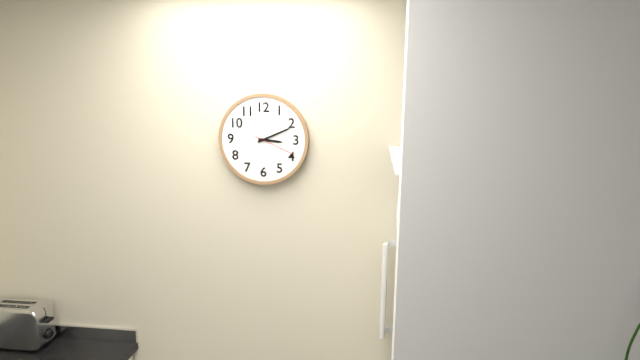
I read 3.11
